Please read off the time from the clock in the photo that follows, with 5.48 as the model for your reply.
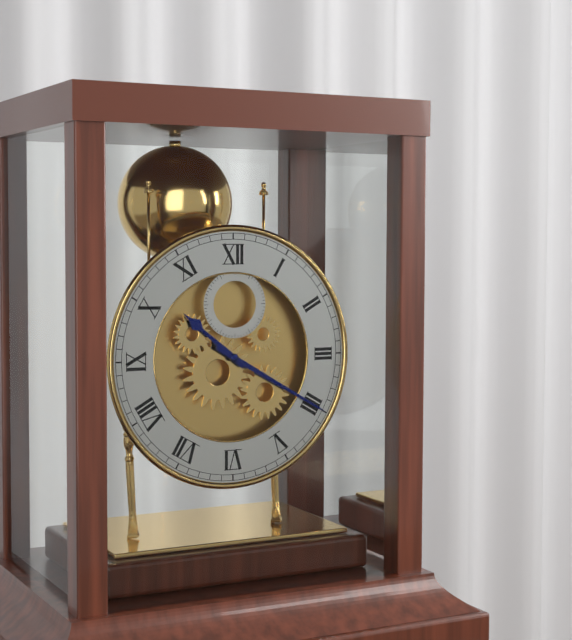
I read 10.20
